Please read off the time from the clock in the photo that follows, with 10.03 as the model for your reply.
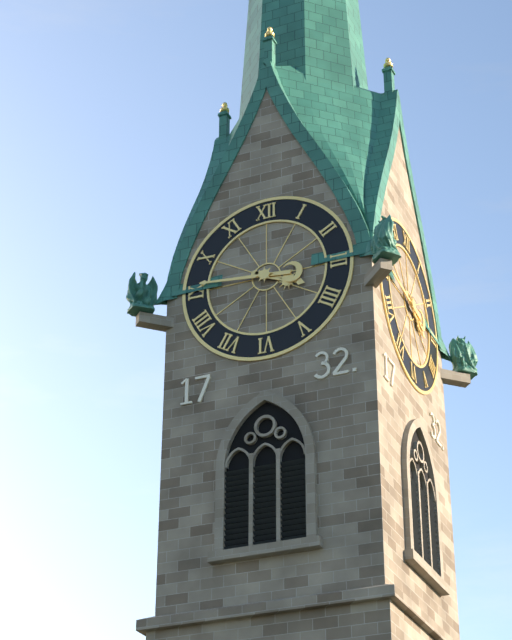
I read 3.46
